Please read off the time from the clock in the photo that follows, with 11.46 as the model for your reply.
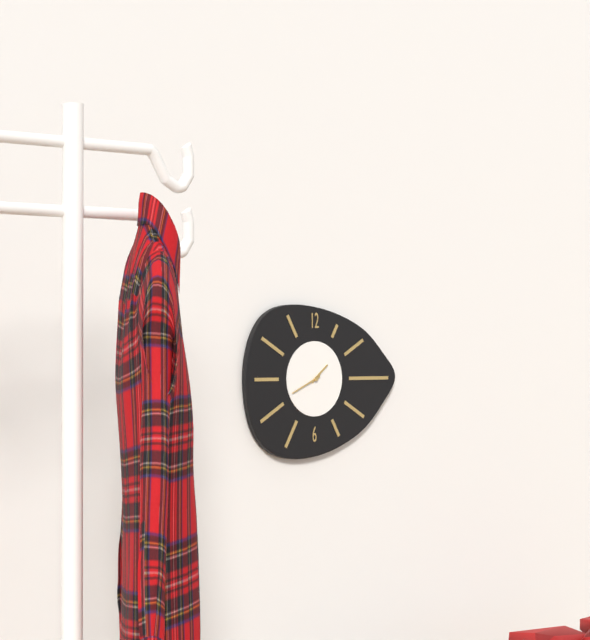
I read 1.41
